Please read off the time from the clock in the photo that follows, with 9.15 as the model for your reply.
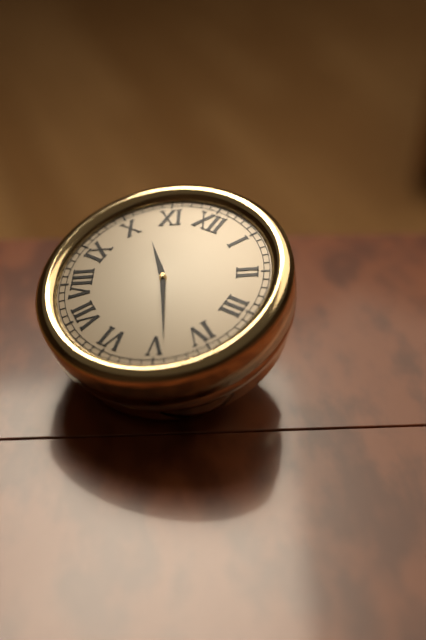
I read 10.24
